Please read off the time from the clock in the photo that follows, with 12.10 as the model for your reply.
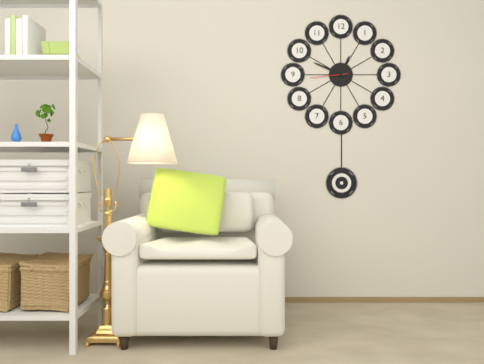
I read 12.49
